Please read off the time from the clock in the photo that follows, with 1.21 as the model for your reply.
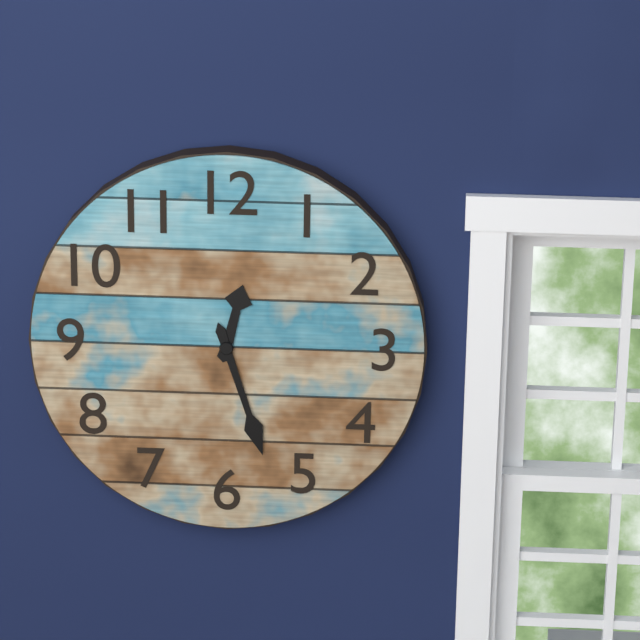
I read 12.27
